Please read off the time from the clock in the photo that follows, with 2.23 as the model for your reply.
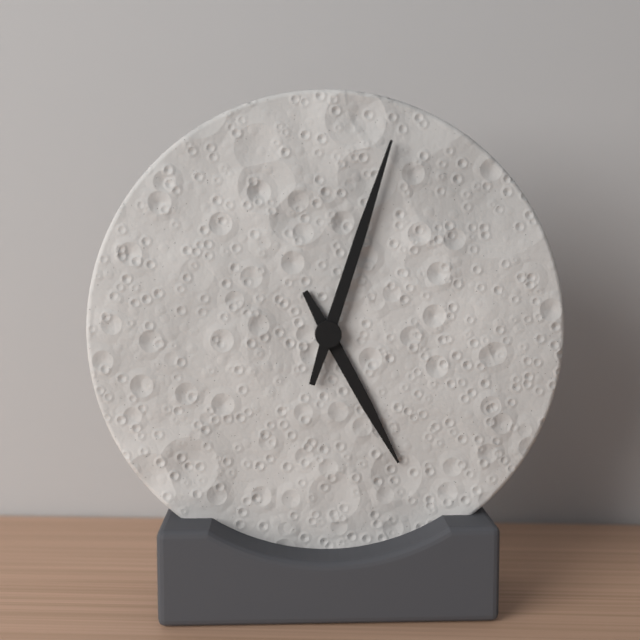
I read 5.03
